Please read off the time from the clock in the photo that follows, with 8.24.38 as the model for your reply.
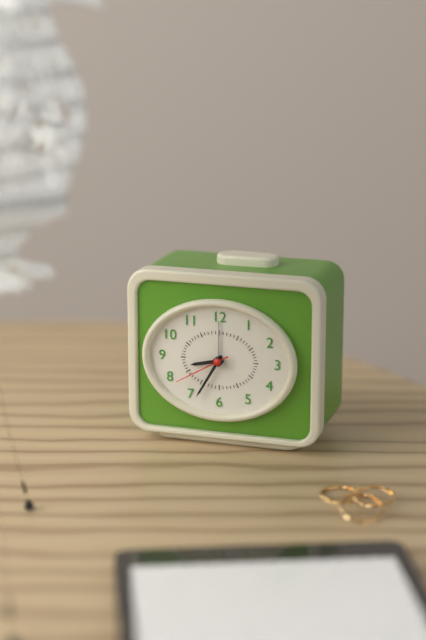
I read 8.35.40
